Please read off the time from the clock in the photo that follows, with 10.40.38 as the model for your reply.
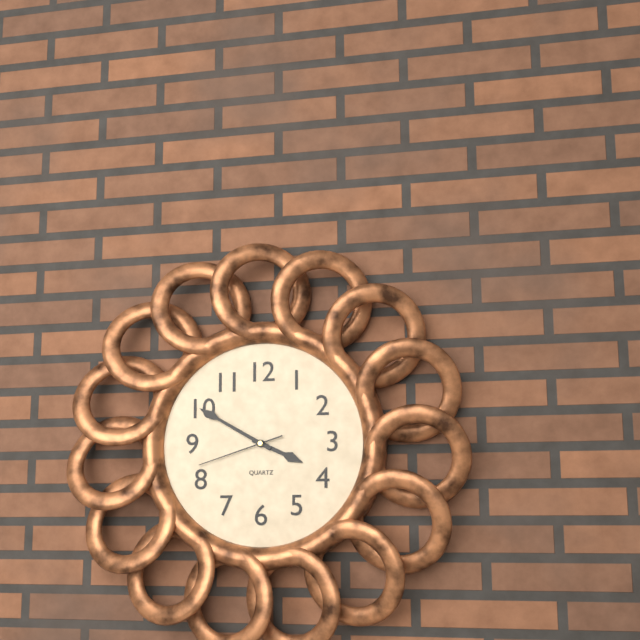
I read 3.50.42
